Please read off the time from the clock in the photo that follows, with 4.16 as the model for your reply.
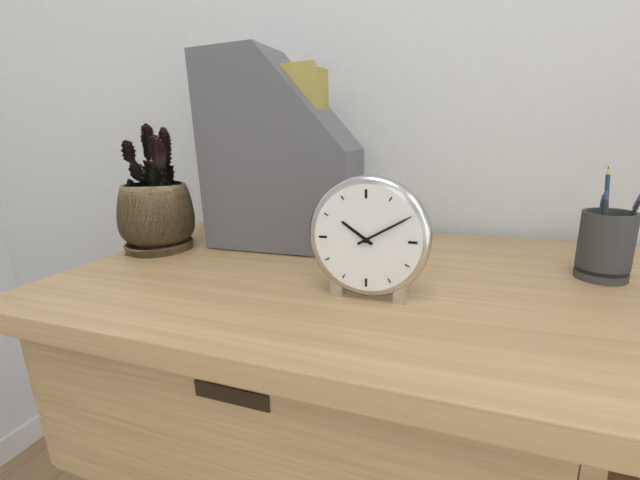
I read 10.10
